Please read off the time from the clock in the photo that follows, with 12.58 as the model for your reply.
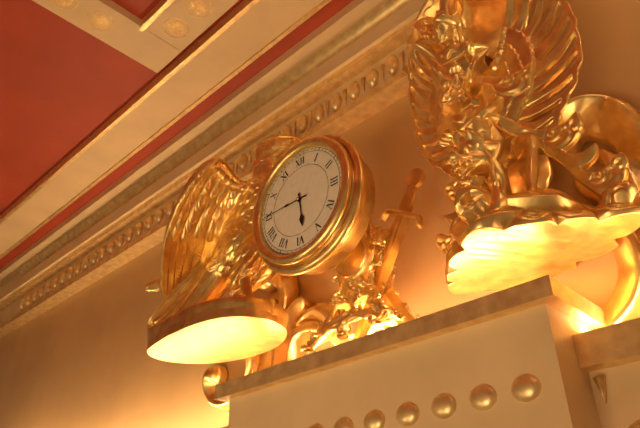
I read 5.45
